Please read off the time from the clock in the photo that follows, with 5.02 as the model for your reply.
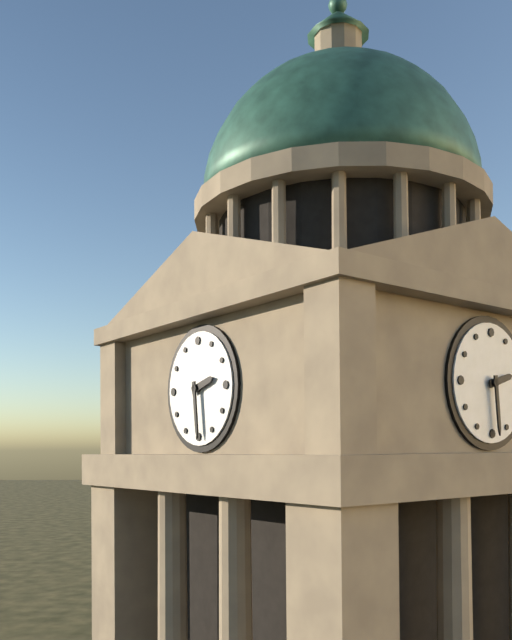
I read 2.29
